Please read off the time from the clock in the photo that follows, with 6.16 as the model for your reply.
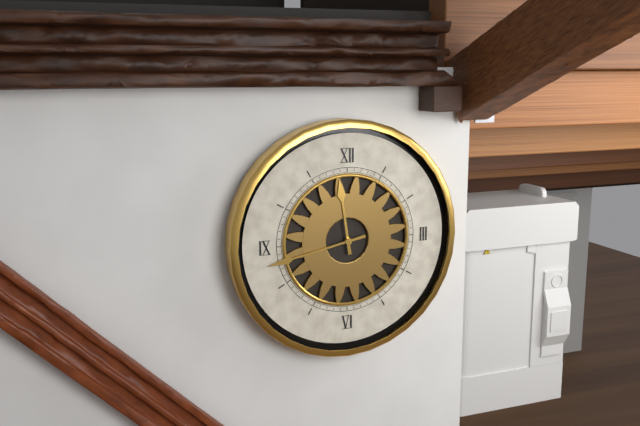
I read 11.43
